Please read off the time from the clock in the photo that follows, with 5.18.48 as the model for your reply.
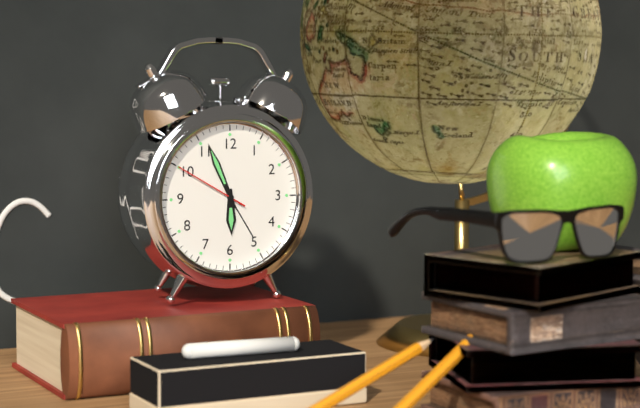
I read 5.56.50
